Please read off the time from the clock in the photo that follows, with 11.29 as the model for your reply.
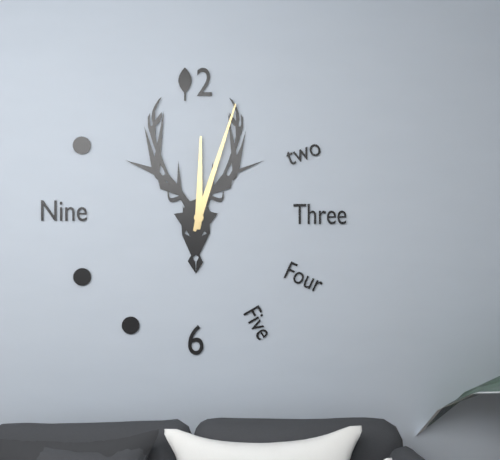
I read 12.03
